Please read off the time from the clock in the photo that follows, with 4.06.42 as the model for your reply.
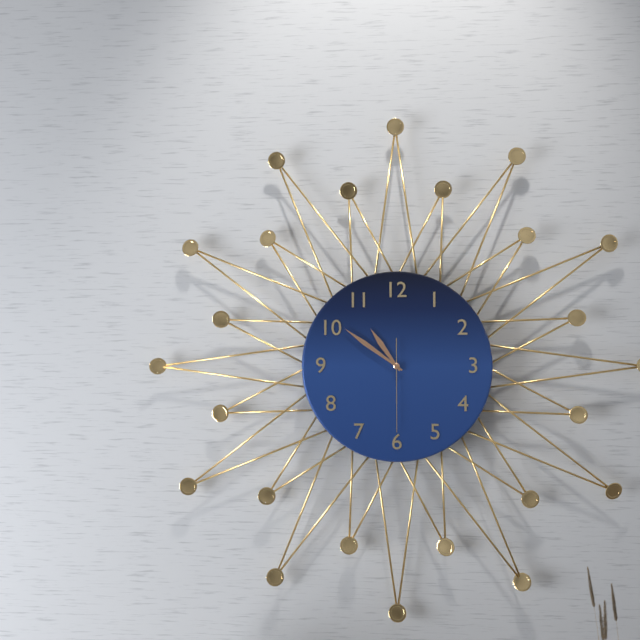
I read 10.51.30
